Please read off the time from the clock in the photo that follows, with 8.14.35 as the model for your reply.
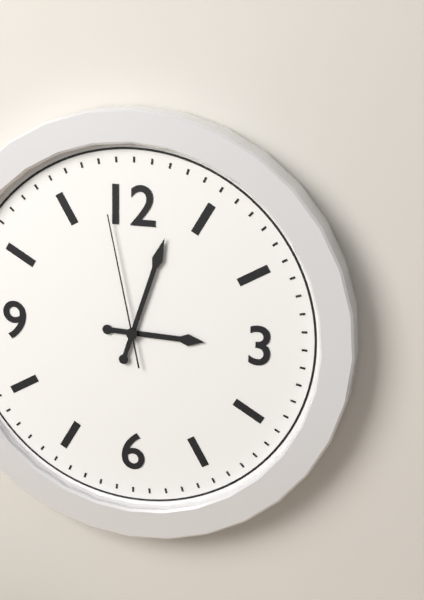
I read 3.03.58
